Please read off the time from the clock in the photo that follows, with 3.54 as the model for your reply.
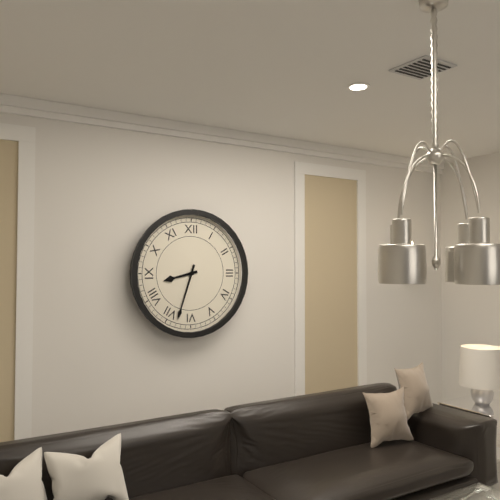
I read 8.33
